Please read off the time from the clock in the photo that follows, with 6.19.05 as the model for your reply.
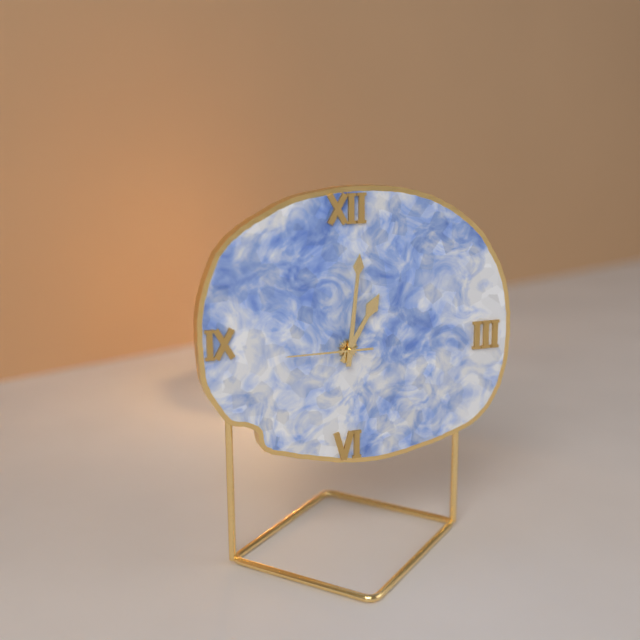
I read 1.01.45
